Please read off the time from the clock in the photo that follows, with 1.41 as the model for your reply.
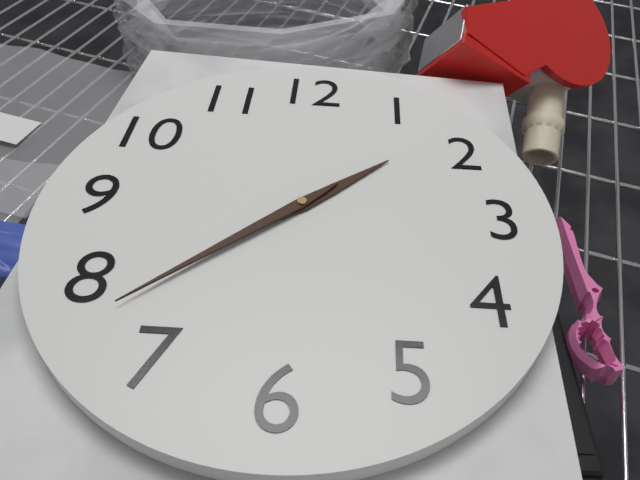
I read 1.38
